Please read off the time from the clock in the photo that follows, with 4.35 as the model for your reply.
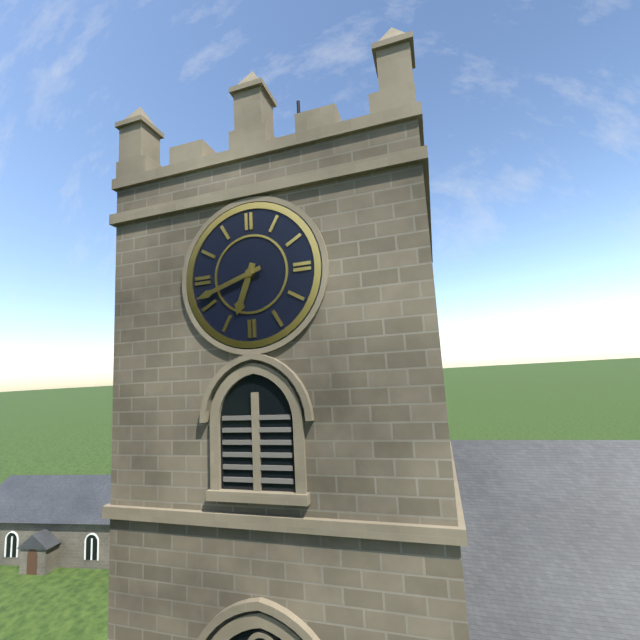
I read 6.42
